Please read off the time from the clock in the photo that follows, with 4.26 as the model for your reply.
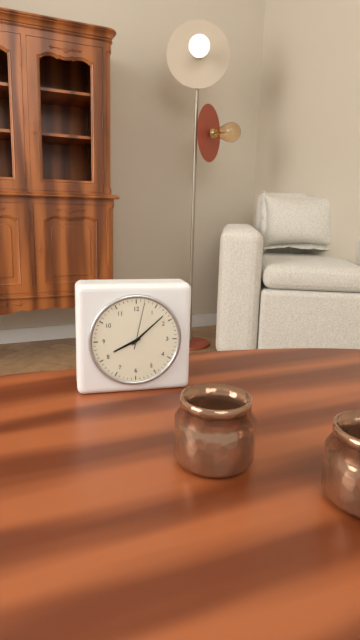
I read 8.08
